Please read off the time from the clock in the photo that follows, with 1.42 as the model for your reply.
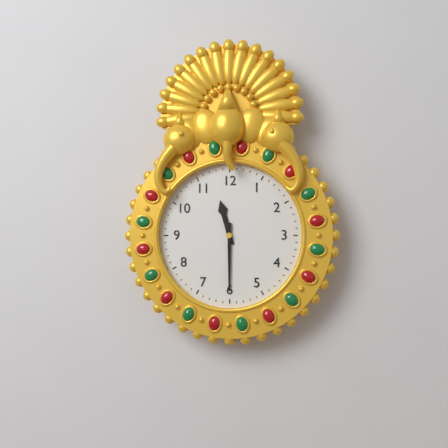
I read 11.30
